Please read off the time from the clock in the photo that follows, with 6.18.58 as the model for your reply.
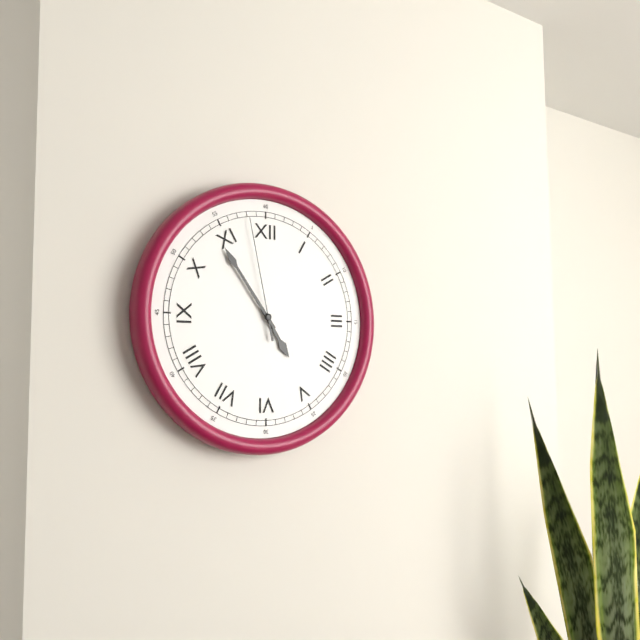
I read 4.54.58
